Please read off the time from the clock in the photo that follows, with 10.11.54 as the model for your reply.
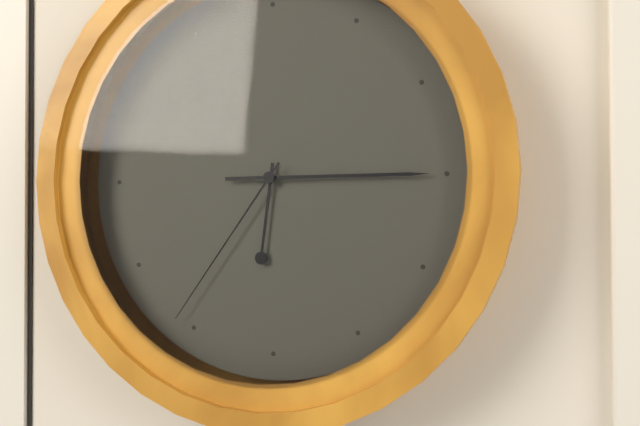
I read 6.15.36
